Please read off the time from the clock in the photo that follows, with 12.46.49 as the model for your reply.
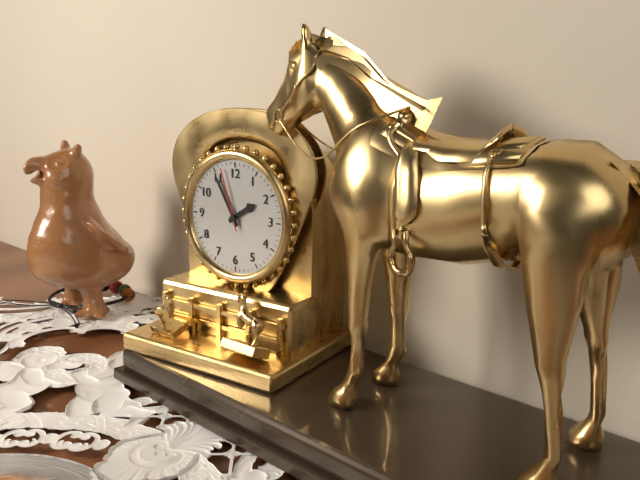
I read 1.55.57
